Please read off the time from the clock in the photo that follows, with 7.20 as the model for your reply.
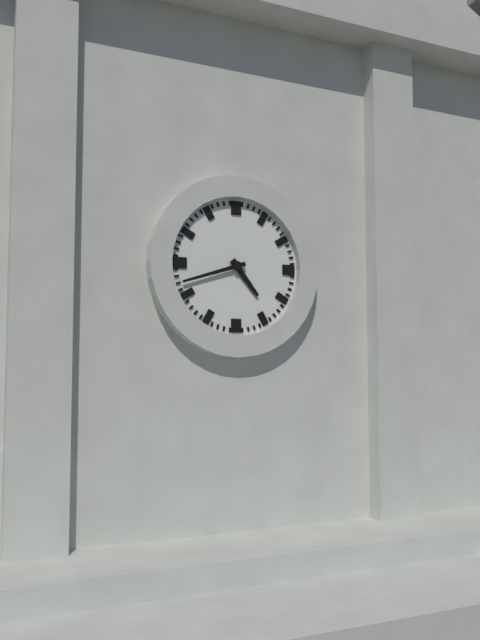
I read 4.42
